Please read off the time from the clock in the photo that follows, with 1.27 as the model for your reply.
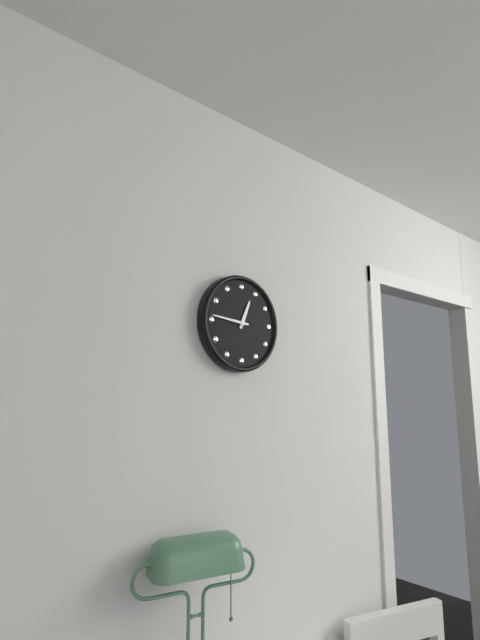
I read 12.46
